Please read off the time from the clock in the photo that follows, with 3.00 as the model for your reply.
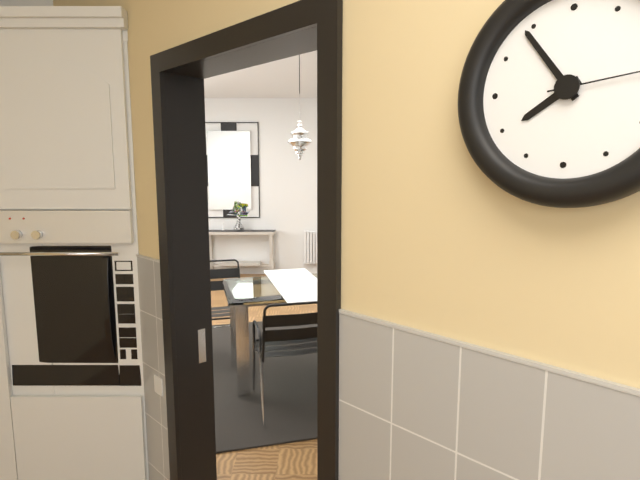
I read 7.54
